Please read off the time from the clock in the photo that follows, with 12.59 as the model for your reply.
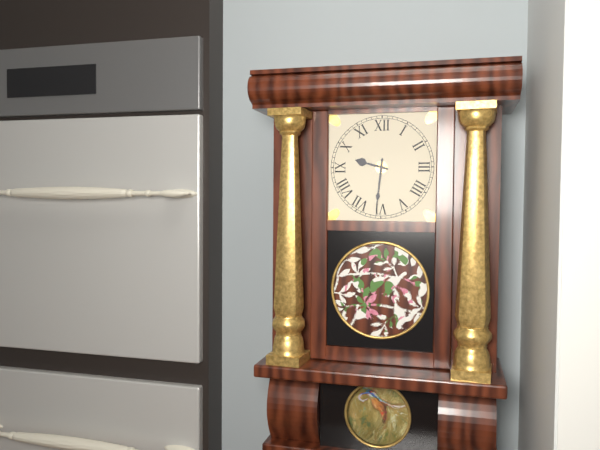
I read 9.31
